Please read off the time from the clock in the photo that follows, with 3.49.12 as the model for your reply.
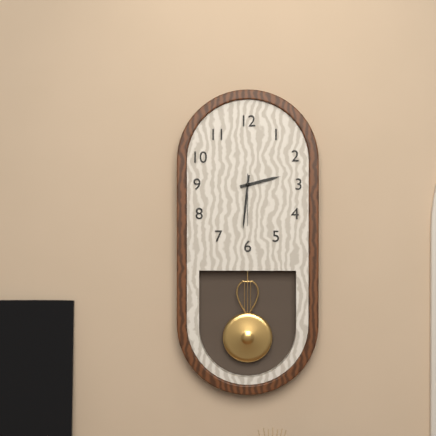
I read 2.31.30
